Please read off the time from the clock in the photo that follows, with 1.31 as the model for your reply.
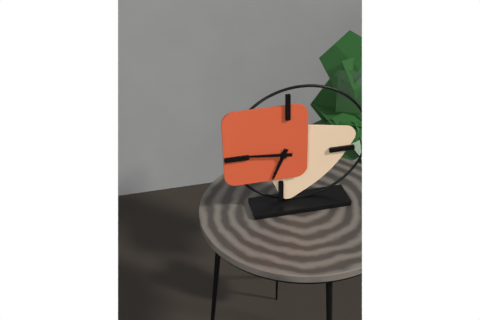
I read 6.46
